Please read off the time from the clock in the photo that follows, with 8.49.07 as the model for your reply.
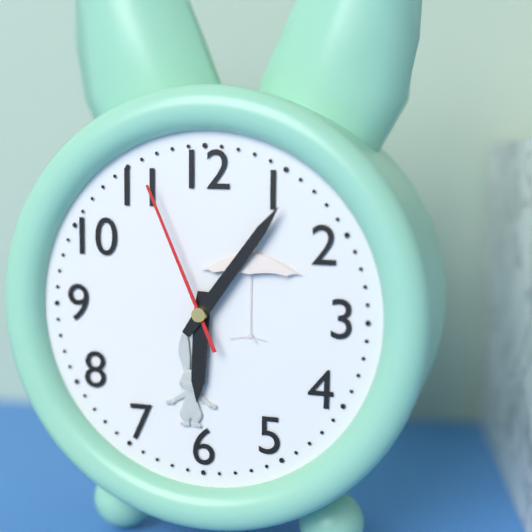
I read 6.06.56
